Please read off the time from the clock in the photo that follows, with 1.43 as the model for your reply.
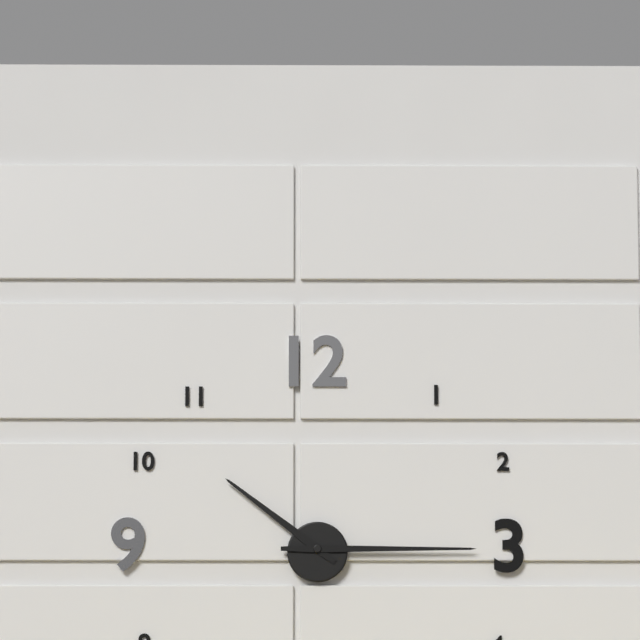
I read 10.15
